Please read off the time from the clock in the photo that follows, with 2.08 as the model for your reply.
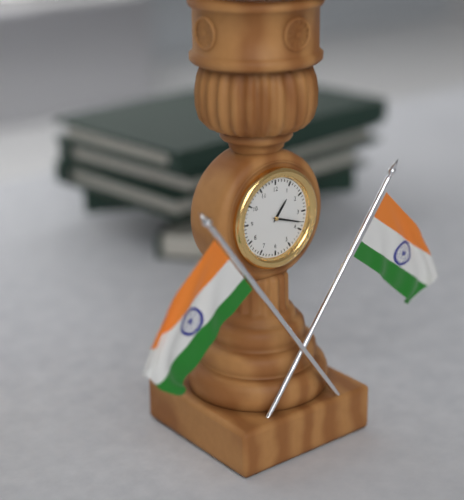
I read 1.18
